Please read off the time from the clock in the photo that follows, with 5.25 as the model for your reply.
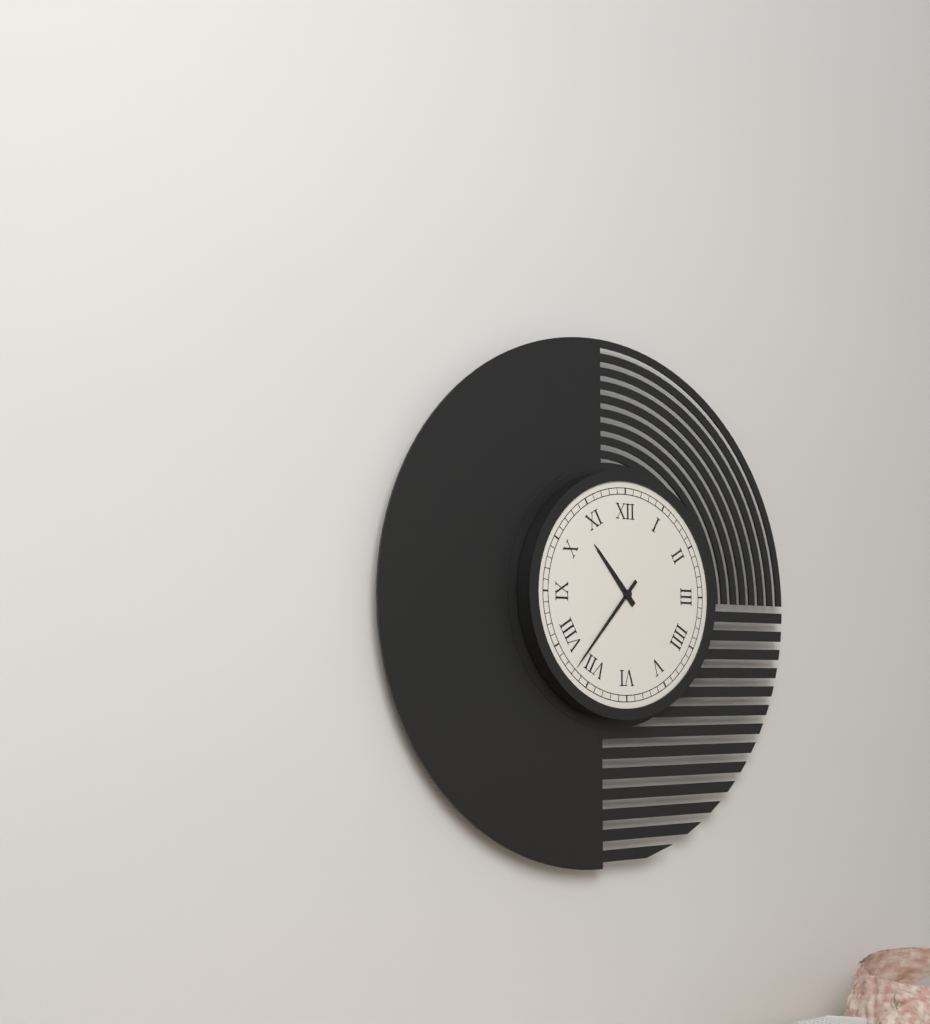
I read 10.37
